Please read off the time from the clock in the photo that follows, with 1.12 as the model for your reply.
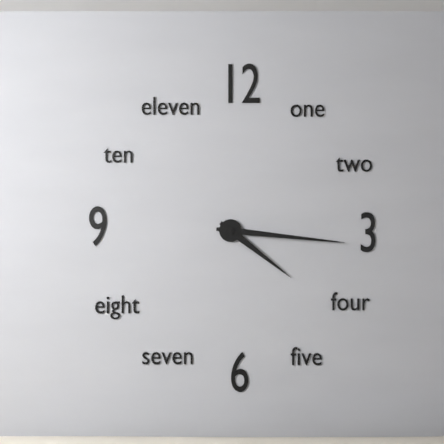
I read 4.16
